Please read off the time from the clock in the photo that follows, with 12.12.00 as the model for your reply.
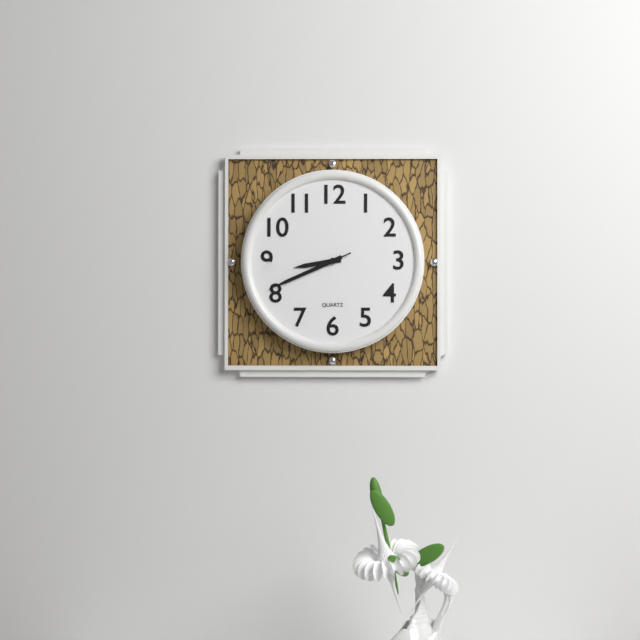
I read 8.41.41
